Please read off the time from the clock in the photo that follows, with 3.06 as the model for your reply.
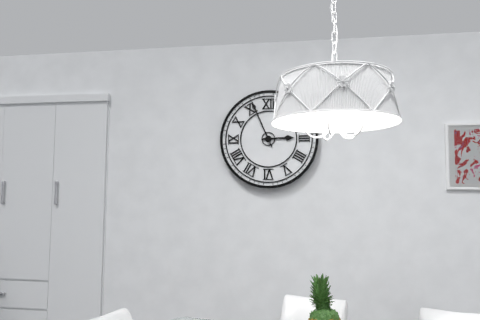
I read 2.56
